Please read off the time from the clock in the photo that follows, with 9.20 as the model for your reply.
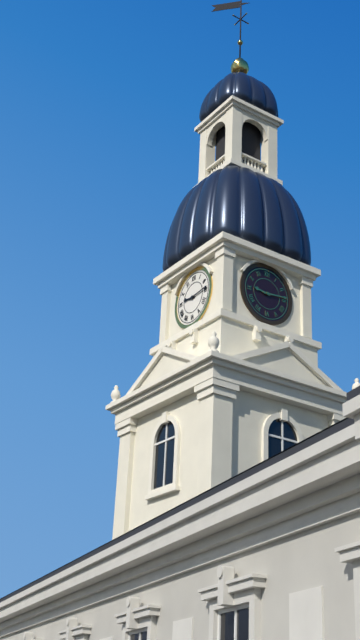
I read 9.14
